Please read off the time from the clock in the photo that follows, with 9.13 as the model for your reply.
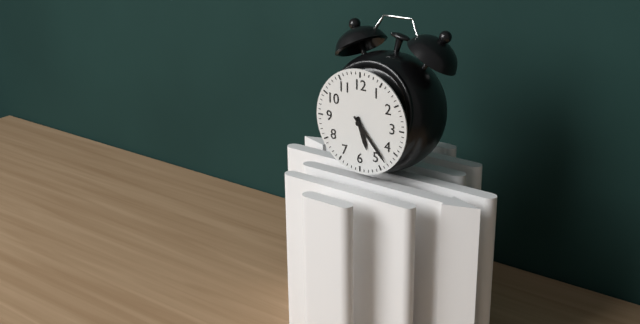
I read 5.23
